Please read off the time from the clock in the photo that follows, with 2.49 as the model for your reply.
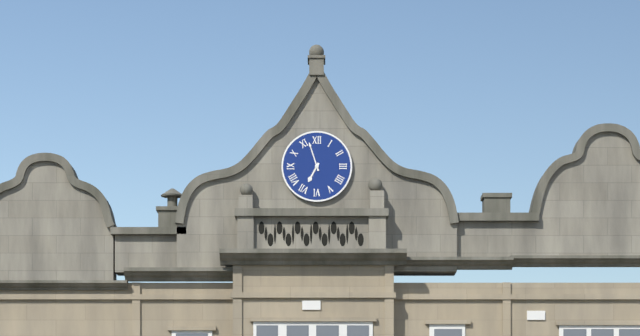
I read 6.57
